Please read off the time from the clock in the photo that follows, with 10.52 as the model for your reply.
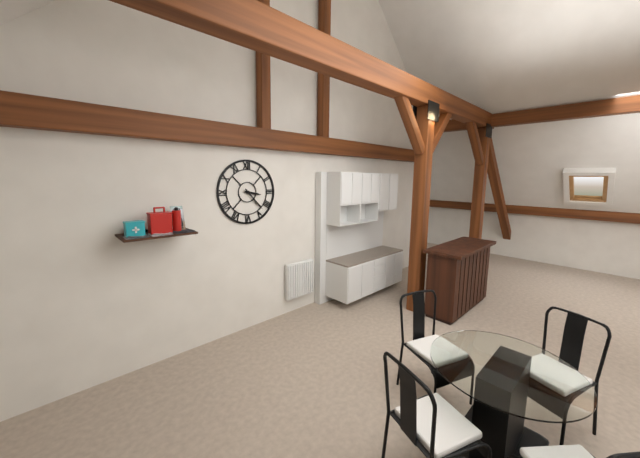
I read 3.23
